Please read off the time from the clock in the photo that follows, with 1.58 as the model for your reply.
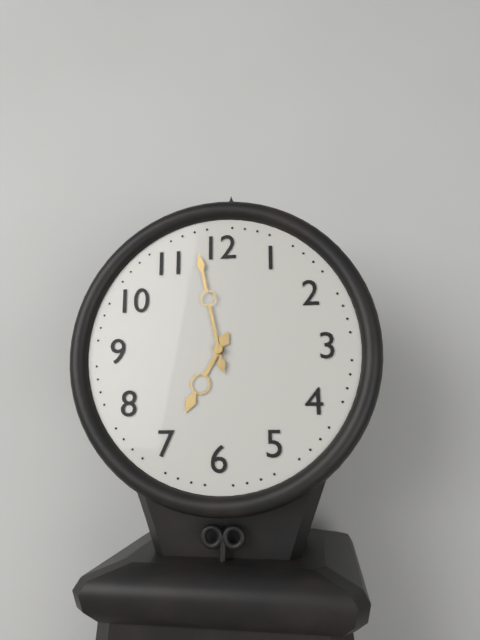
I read 6.58
